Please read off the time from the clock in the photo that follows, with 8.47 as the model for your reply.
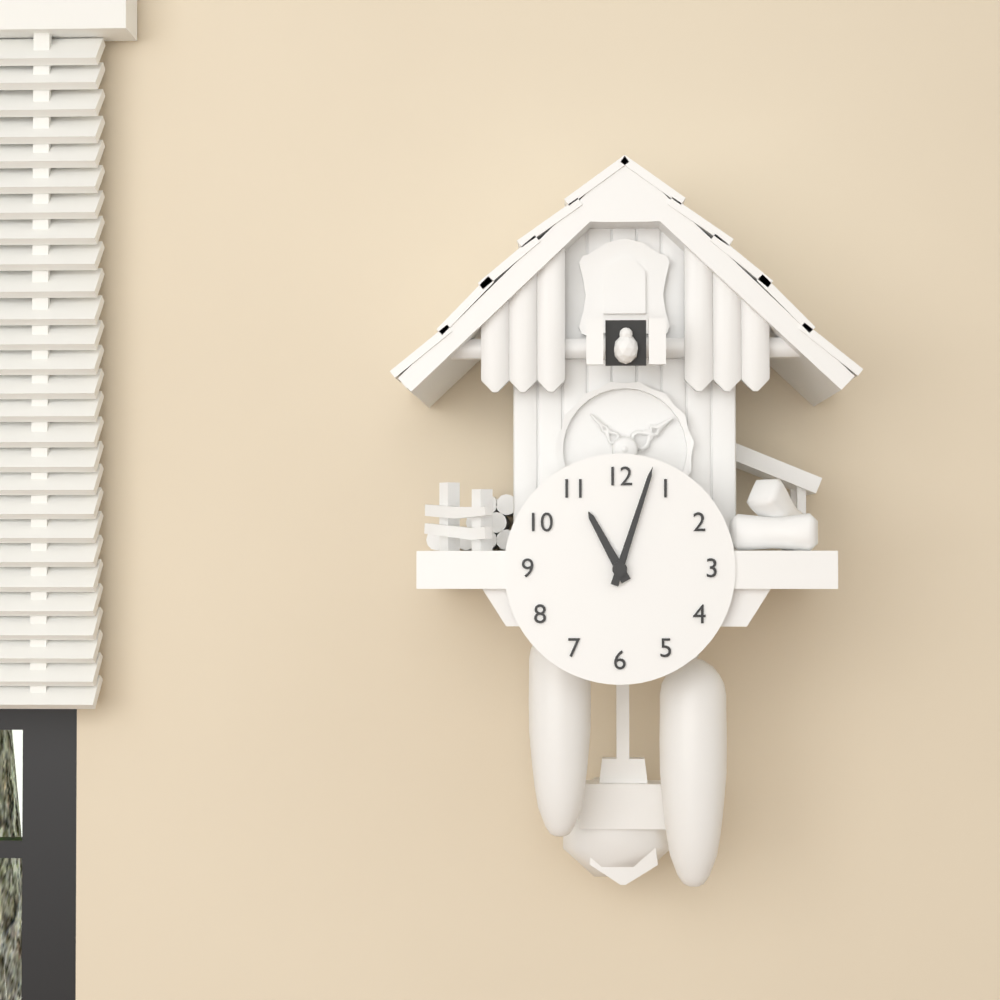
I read 11.03
